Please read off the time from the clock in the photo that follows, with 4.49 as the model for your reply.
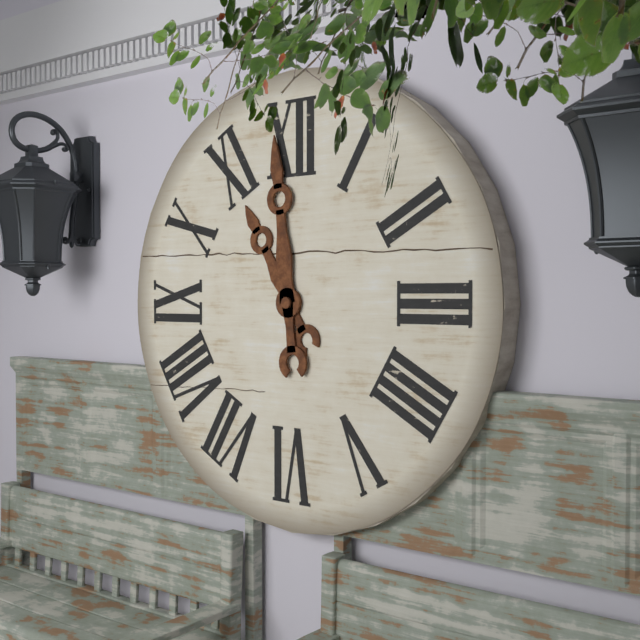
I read 10.59
